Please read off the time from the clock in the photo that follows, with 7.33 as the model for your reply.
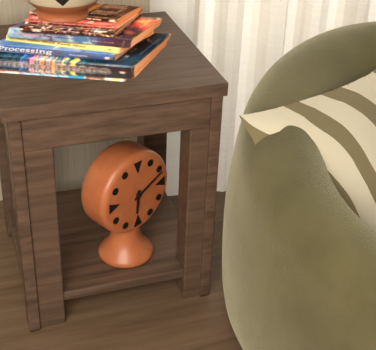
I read 6.11
